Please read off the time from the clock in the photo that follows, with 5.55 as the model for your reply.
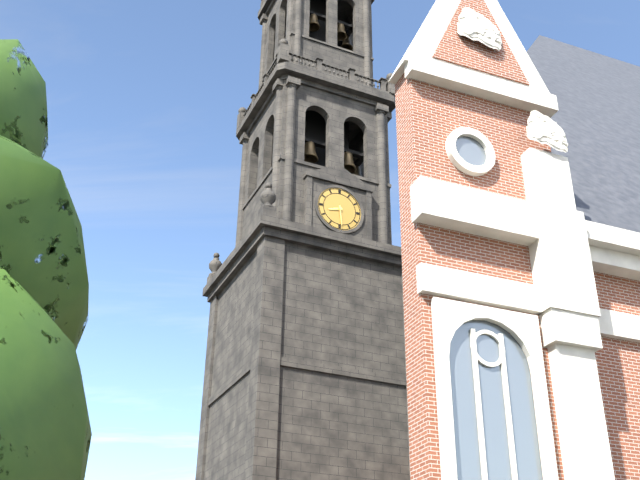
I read 8.29
